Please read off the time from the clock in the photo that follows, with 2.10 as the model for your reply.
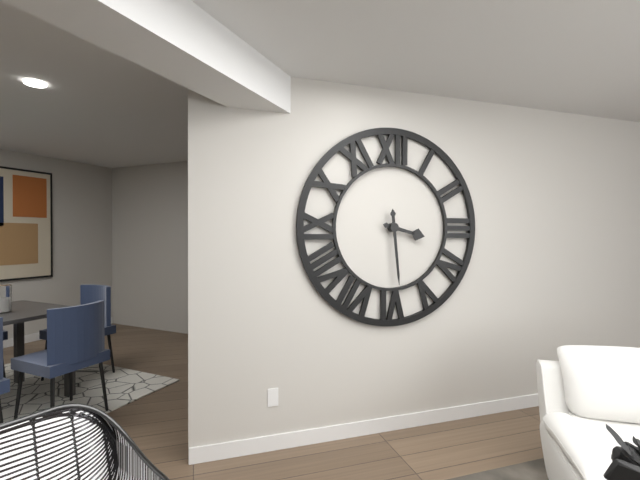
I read 3.29
